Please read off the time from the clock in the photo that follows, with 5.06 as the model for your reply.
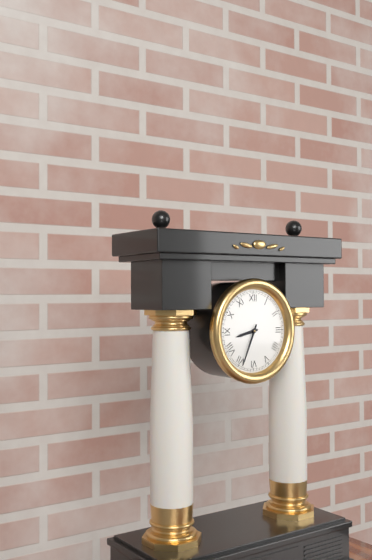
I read 8.34
